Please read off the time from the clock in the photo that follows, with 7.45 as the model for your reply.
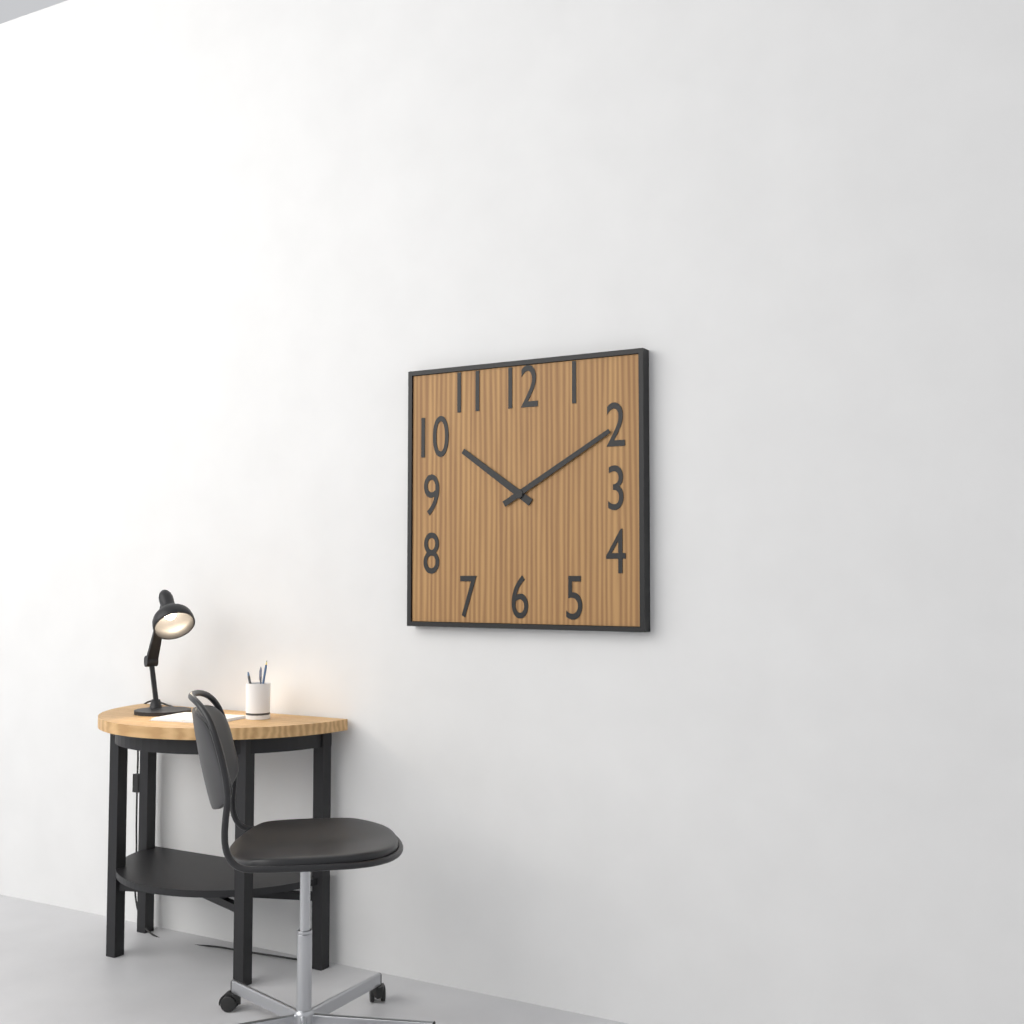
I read 10.10
